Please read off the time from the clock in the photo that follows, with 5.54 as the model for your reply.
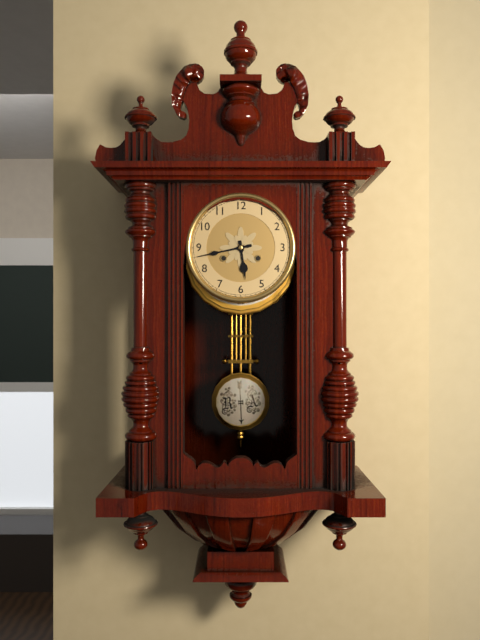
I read 5.43
